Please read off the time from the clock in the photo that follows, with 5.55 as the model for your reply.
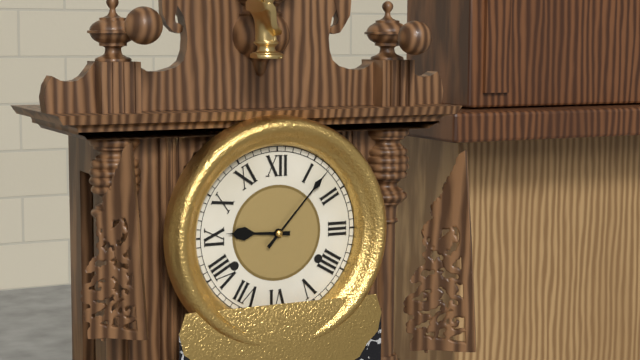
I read 9.07
